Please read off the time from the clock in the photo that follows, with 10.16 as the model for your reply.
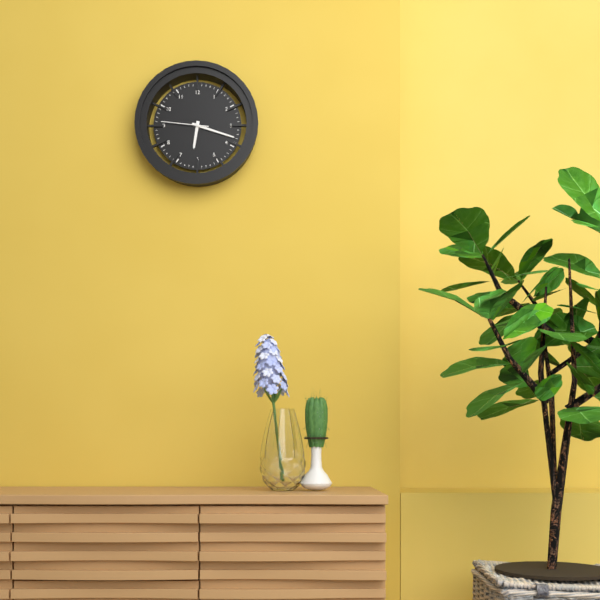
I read 6.18
